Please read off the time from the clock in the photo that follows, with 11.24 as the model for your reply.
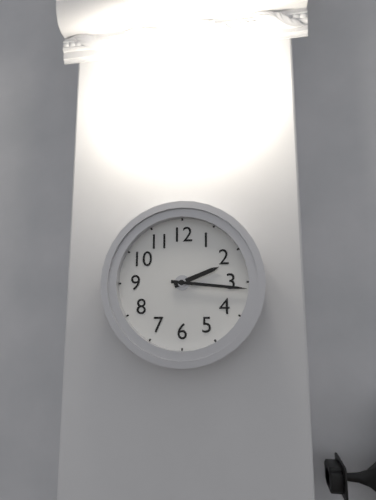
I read 2.16
